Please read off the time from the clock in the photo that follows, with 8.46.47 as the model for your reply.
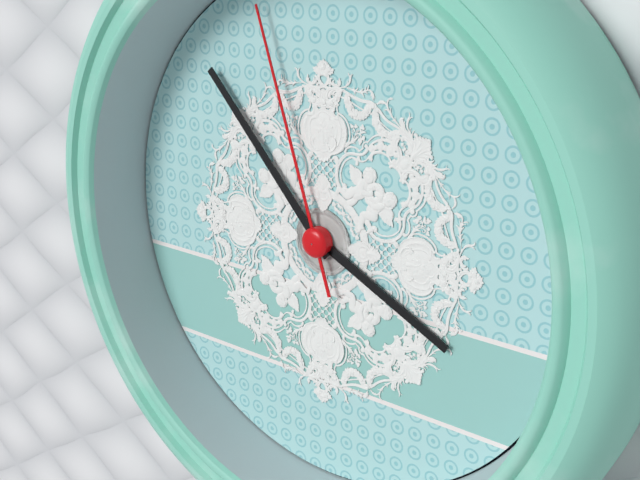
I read 3.53.57
